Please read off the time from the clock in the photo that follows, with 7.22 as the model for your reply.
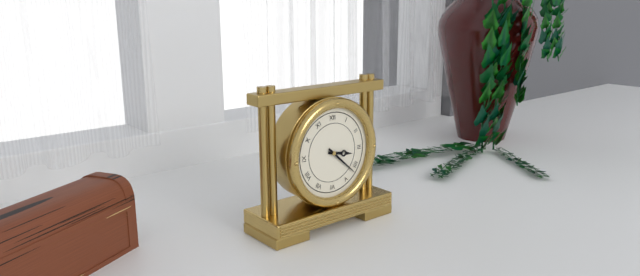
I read 3.22
